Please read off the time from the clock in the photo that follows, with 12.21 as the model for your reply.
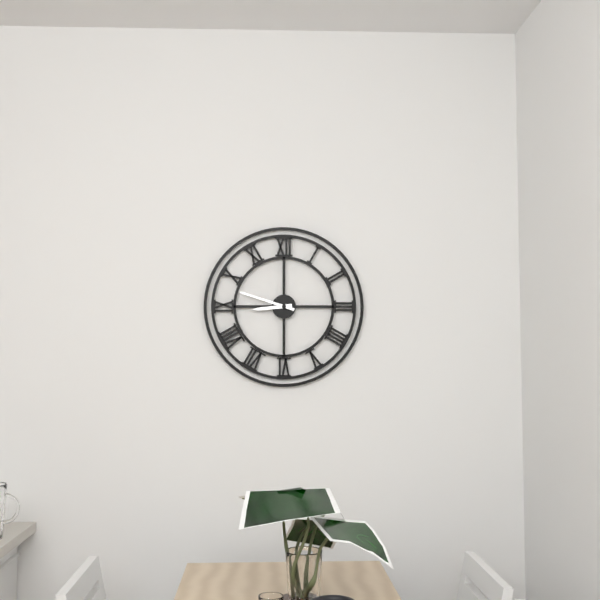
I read 8.48
